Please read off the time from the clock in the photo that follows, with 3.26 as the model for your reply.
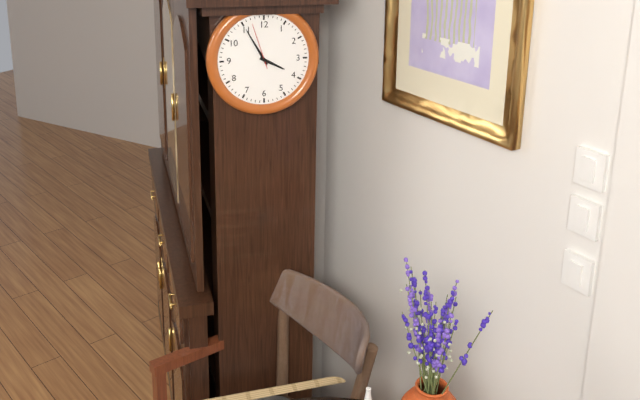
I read 3.55
